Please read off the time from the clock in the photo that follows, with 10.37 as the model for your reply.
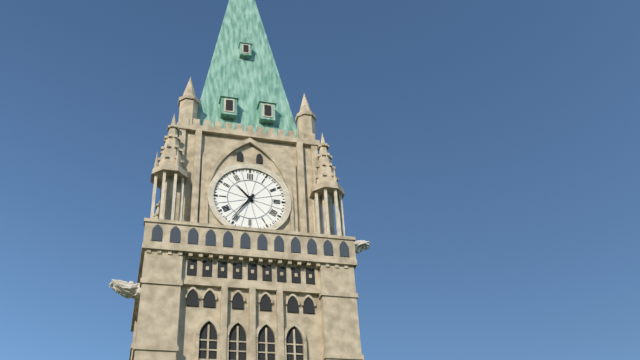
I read 10.36
